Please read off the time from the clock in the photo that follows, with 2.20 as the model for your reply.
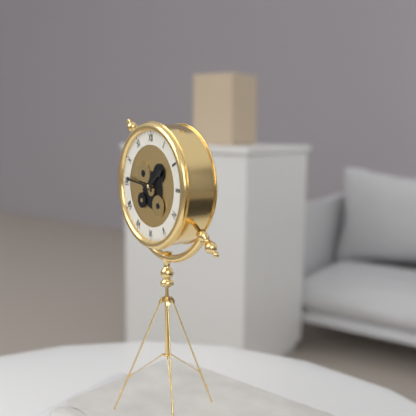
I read 1.46
